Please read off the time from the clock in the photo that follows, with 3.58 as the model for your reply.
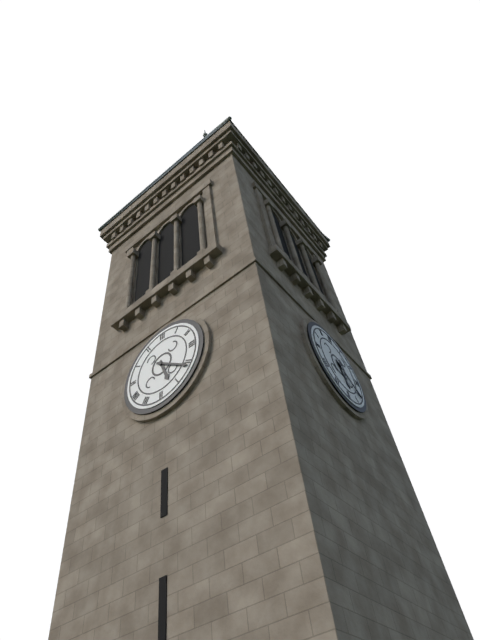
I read 5.21
